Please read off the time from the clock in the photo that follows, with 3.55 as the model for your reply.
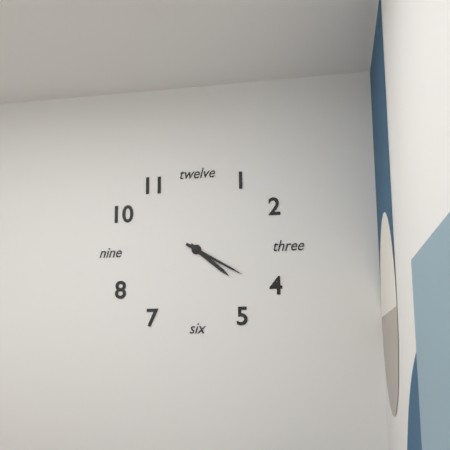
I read 4.20
